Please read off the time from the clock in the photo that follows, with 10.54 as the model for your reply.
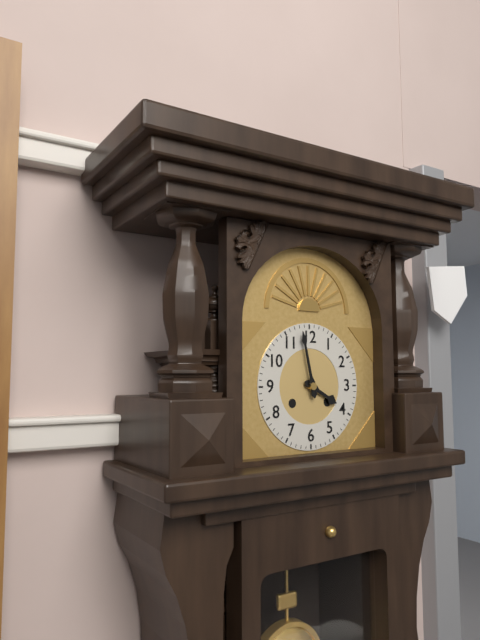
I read 3.58
